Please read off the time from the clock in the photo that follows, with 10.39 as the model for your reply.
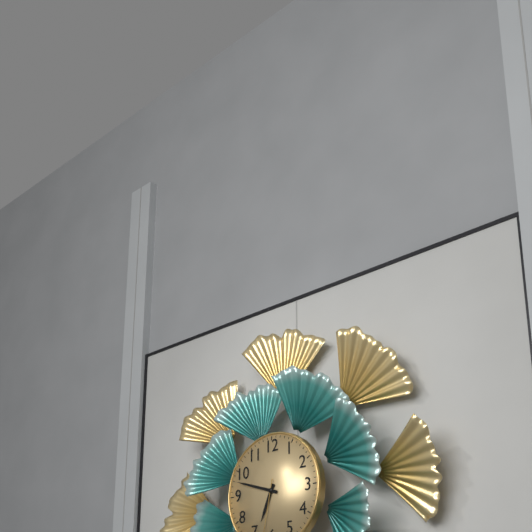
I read 6.48
